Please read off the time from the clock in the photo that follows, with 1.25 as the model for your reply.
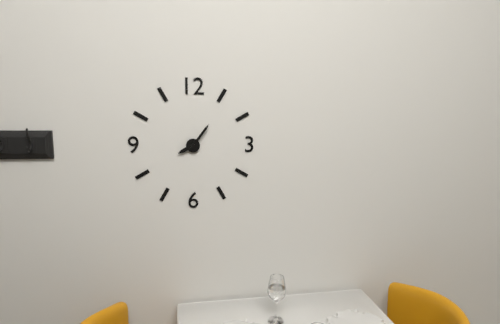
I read 8.06
